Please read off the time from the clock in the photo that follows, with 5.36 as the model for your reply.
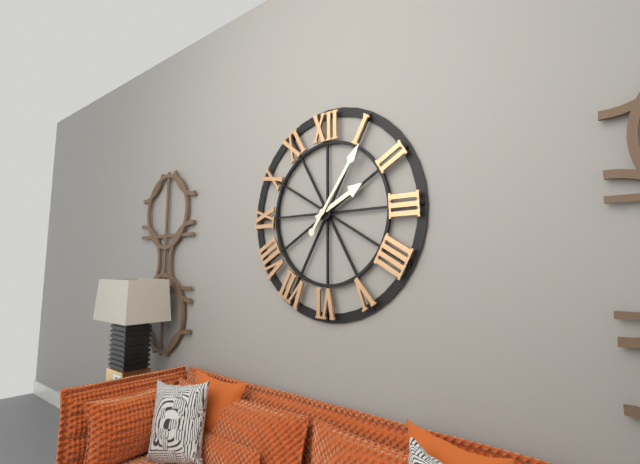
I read 2.06
